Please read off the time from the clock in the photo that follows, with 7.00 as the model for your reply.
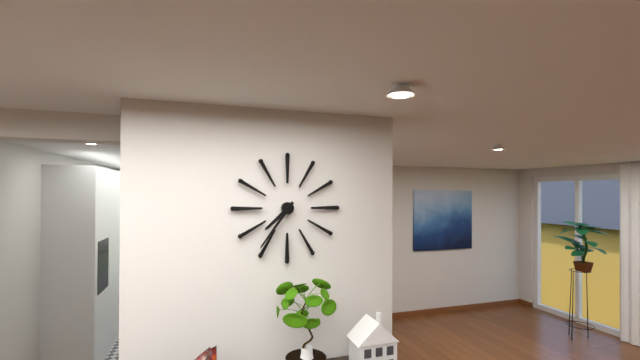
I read 7.36
